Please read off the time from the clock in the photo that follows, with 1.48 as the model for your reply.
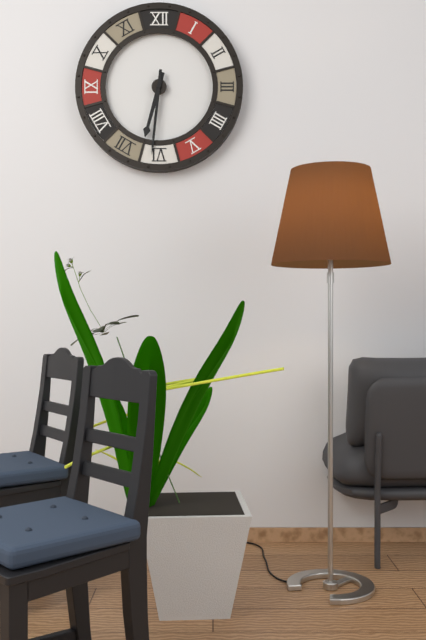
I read 6.31
